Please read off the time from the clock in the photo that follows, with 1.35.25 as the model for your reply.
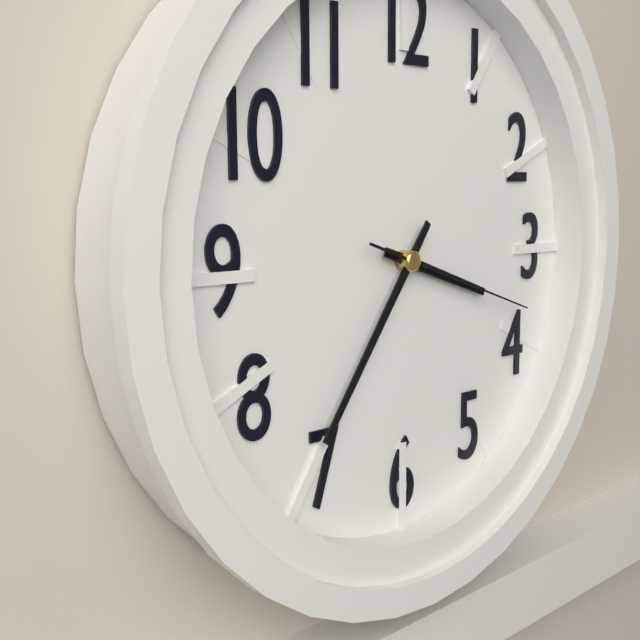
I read 3.36.18
